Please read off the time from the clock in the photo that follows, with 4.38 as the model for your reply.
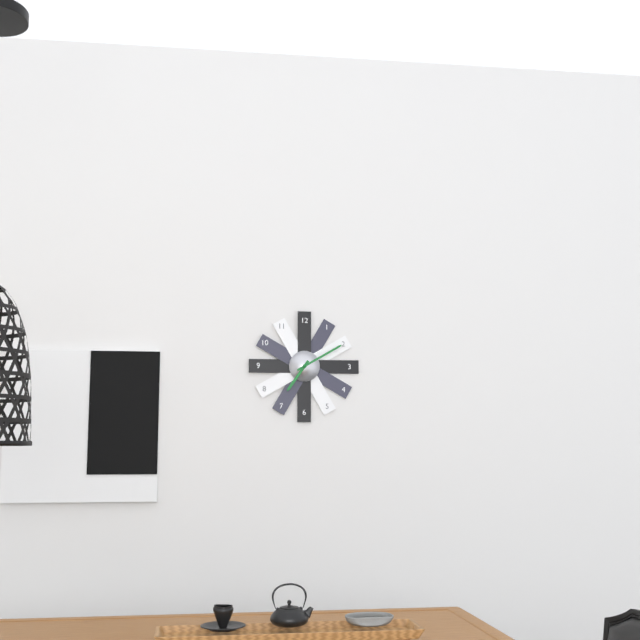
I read 7.10
